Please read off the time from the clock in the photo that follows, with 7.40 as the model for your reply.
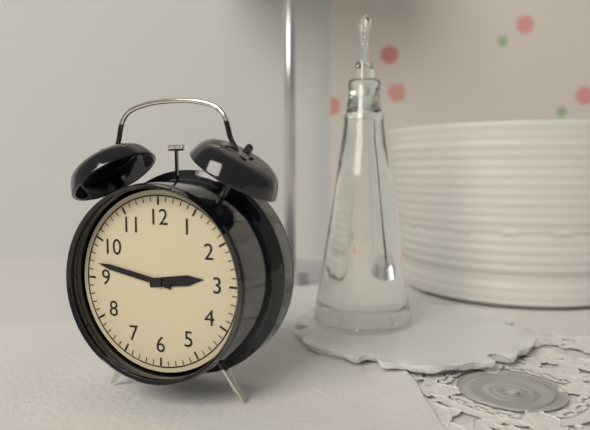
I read 2.47
